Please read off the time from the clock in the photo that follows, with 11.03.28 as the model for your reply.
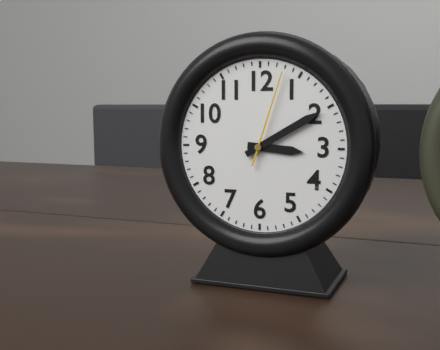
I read 3.10.03
